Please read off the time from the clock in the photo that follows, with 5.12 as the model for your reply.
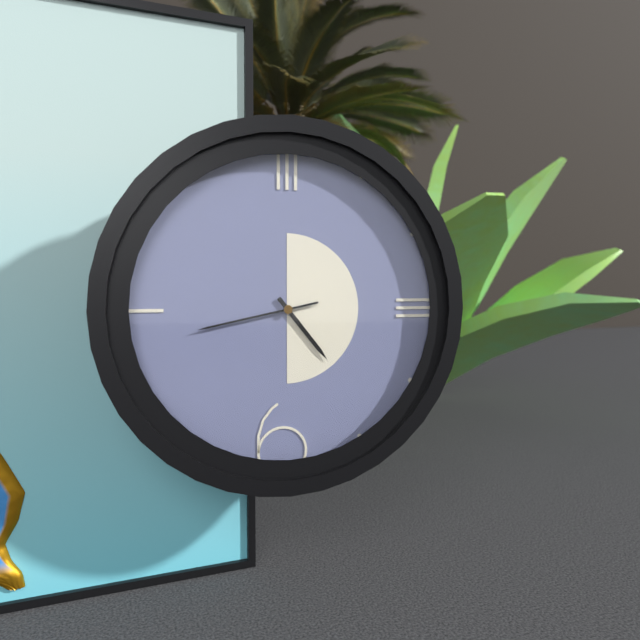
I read 4.43
